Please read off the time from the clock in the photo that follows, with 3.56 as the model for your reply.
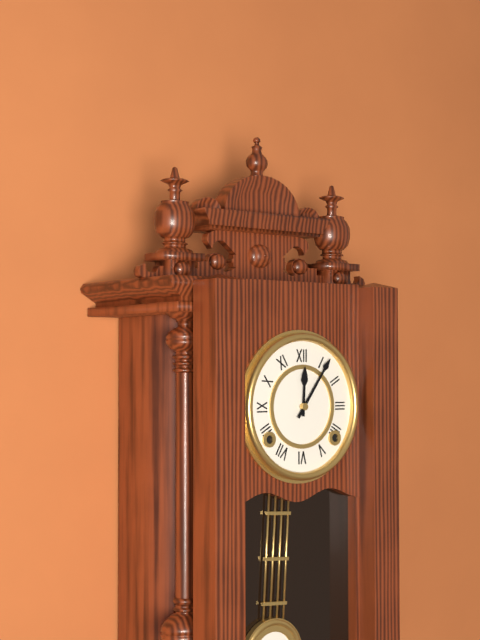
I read 12.06
